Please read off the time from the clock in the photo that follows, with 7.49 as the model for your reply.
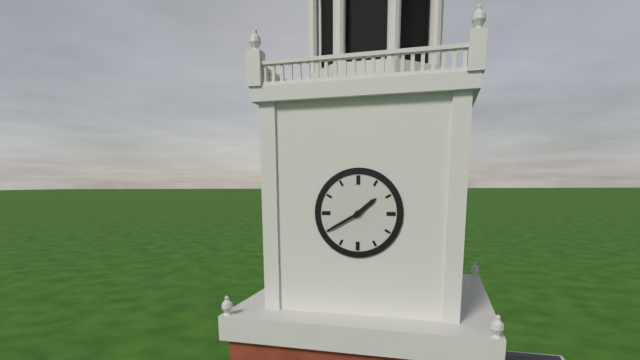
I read 1.40
